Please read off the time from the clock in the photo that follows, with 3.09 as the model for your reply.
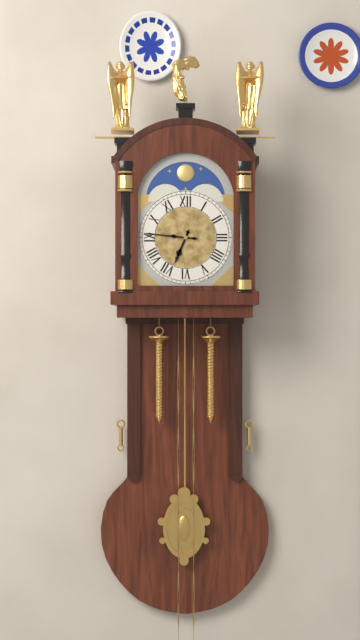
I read 6.46
